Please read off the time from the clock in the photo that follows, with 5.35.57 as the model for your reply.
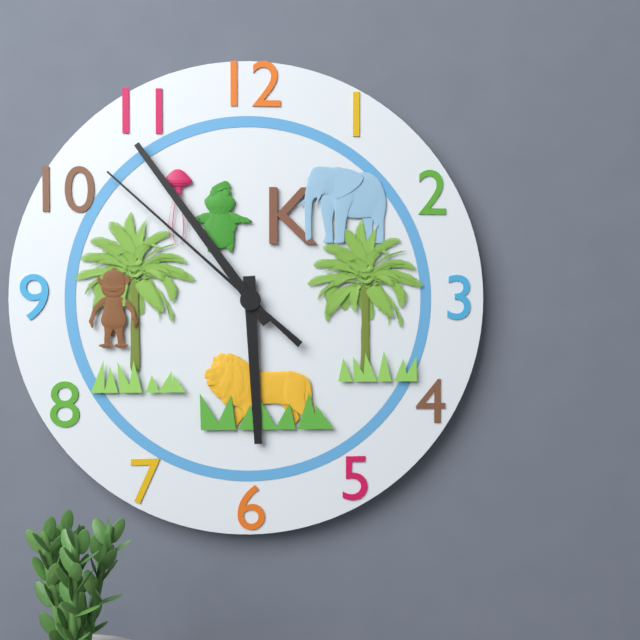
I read 5.54.52
